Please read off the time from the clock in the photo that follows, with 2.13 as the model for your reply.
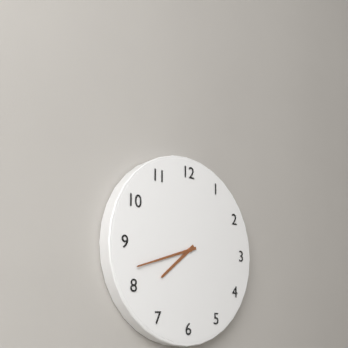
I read 7.42
